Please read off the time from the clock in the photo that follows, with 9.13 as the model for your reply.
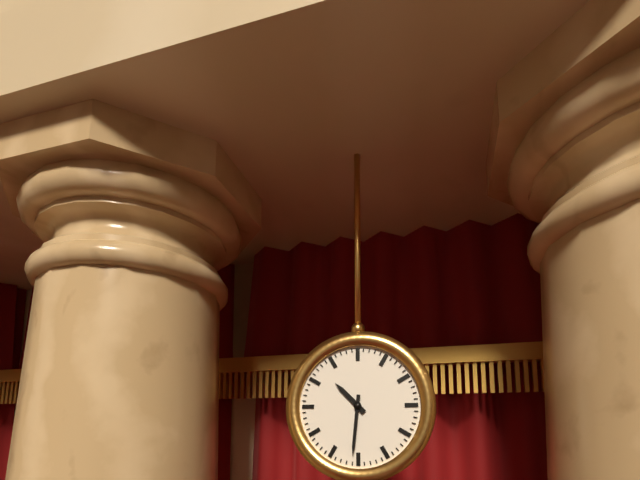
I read 10.31
